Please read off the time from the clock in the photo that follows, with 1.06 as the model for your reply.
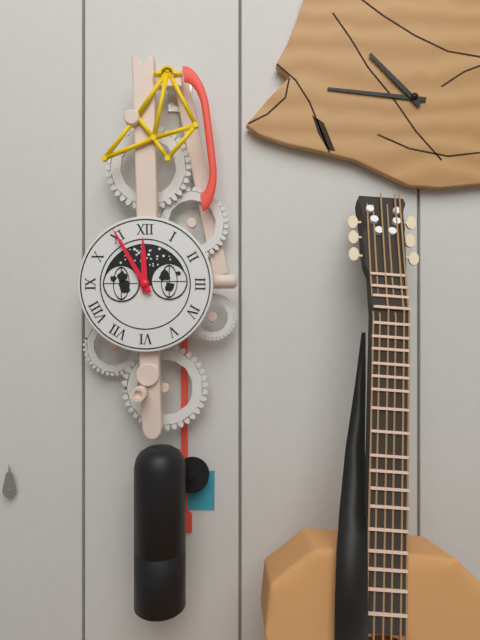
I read 11.55
